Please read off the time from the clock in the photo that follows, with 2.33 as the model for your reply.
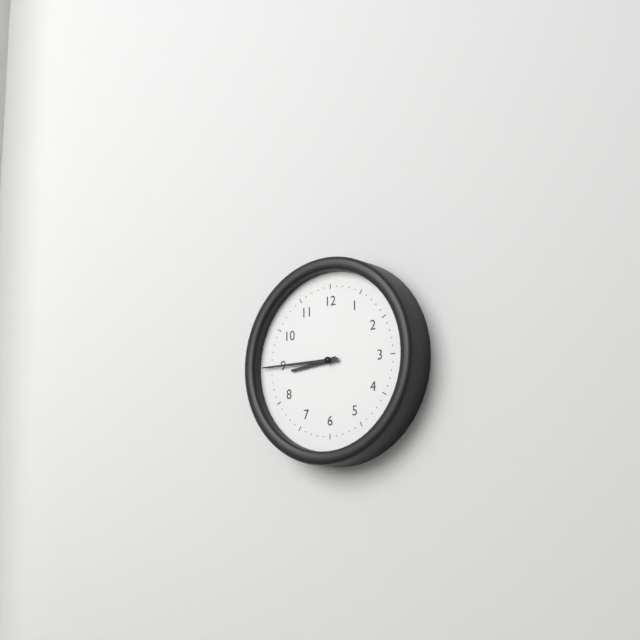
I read 8.45
